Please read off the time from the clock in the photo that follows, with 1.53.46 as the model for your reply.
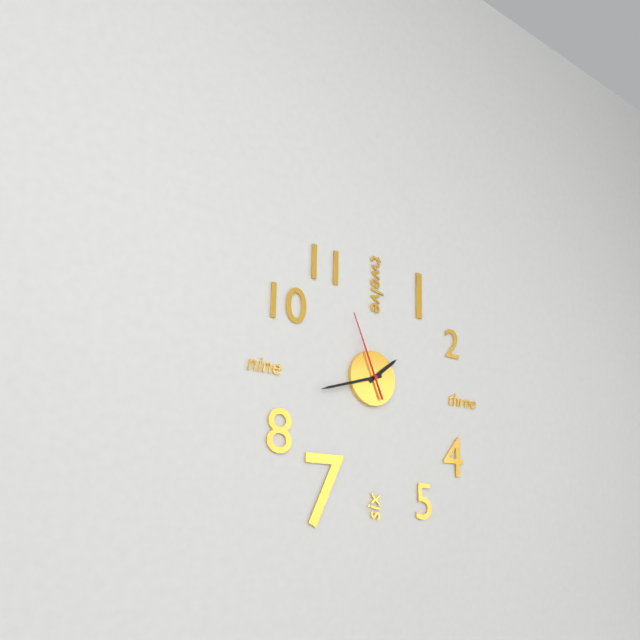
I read 1.42.56
